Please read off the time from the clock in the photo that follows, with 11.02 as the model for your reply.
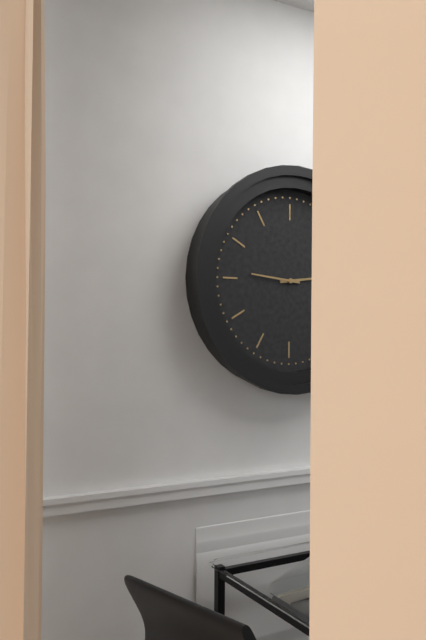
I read 2.46
